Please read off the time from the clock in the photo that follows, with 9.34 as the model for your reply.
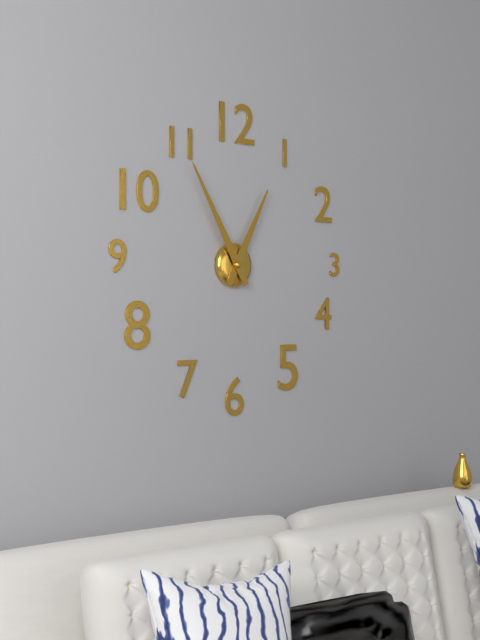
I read 12.55
